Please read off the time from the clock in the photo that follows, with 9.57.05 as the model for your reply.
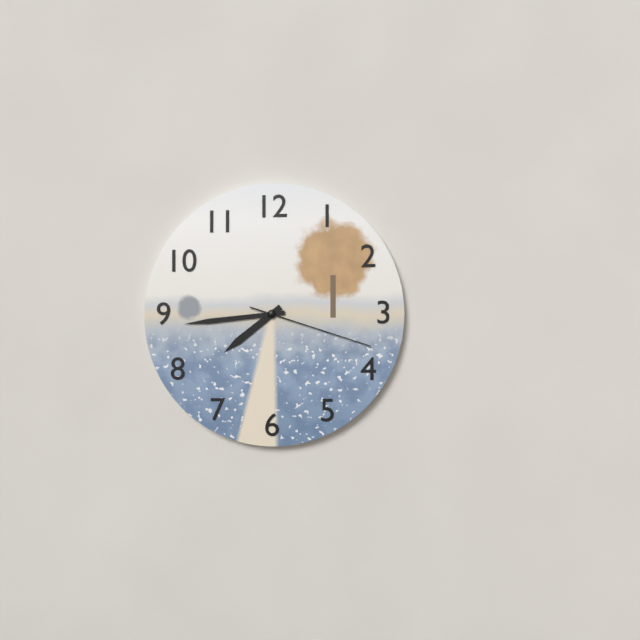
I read 7.44.18
